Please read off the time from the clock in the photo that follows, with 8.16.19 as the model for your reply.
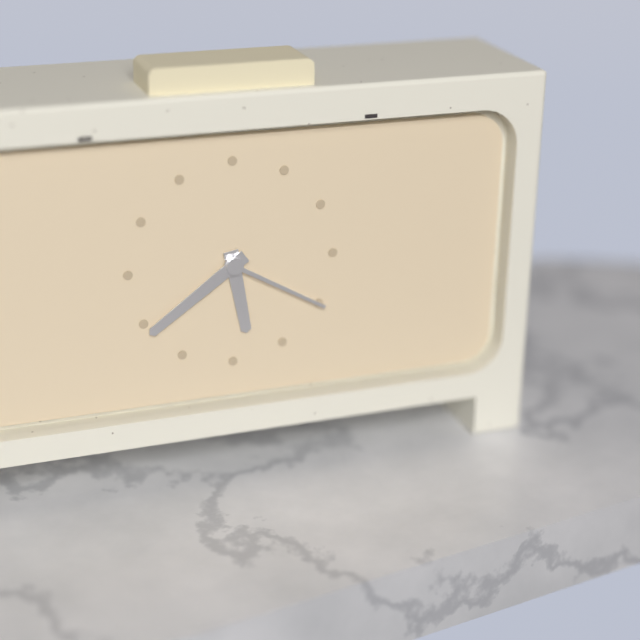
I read 5.39.20
